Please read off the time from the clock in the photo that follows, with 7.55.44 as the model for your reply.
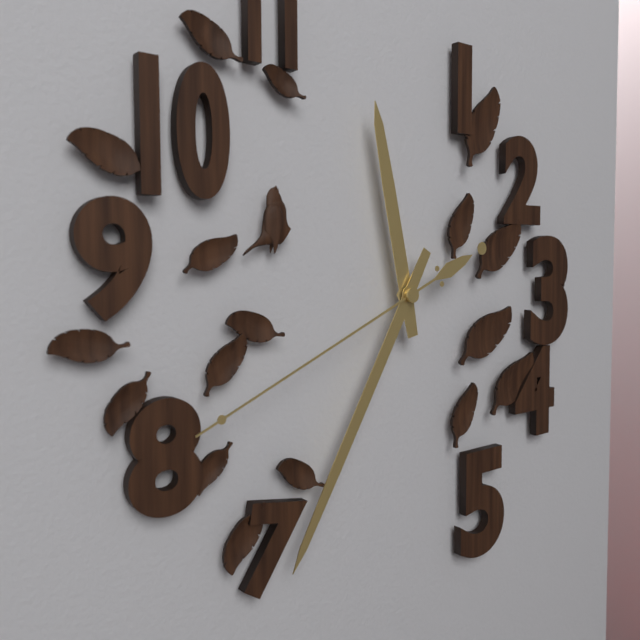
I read 11.35.41
